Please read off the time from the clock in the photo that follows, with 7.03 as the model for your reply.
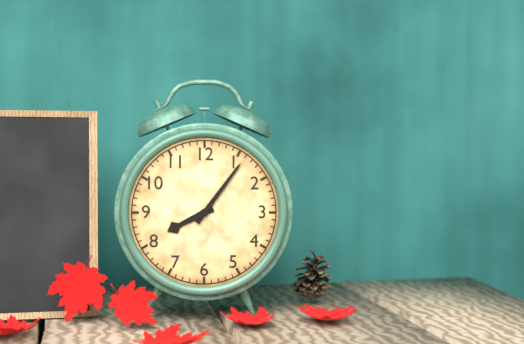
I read 8.06
